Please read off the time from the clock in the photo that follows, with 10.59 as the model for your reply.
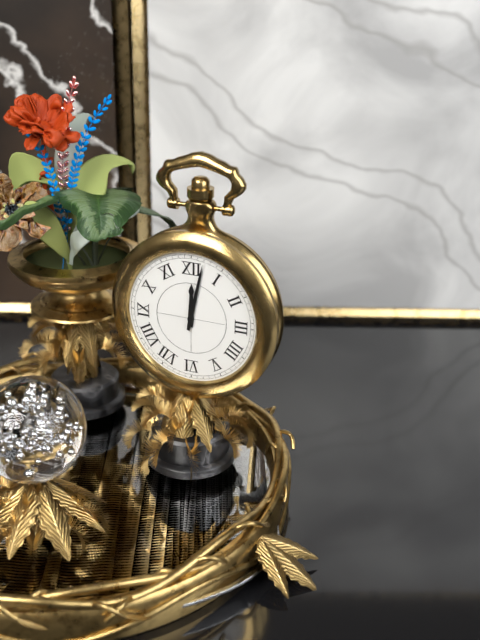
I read 12.02
